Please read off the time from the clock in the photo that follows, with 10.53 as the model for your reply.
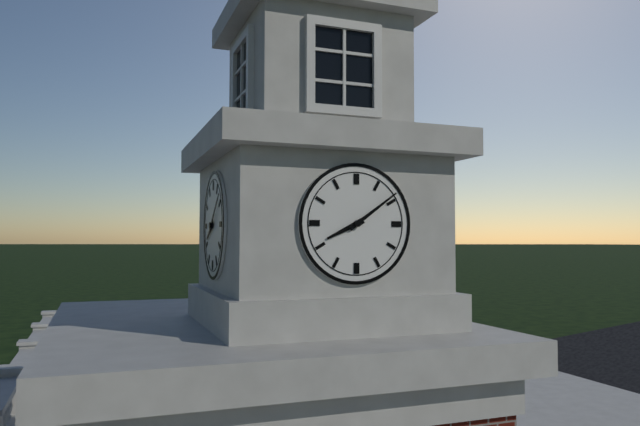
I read 8.09
